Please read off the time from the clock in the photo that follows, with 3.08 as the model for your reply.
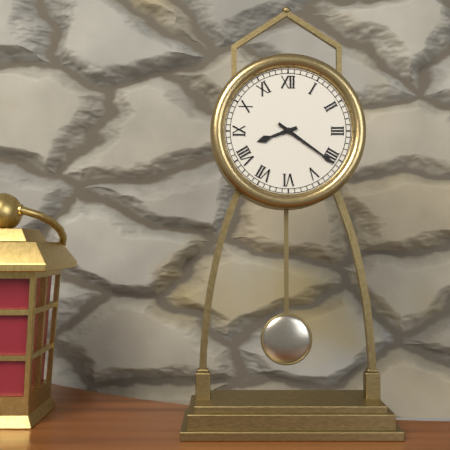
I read 8.21
